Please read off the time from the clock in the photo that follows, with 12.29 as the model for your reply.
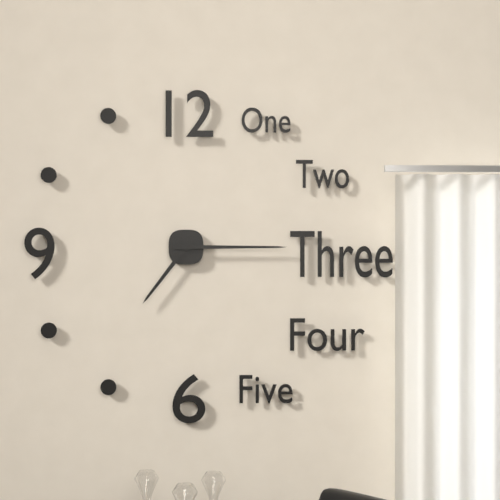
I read 7.15
